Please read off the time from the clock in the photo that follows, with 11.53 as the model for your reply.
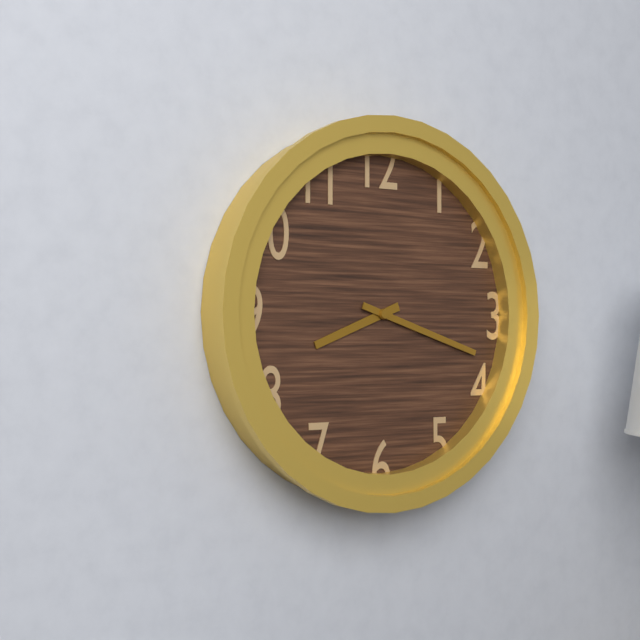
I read 8.18
